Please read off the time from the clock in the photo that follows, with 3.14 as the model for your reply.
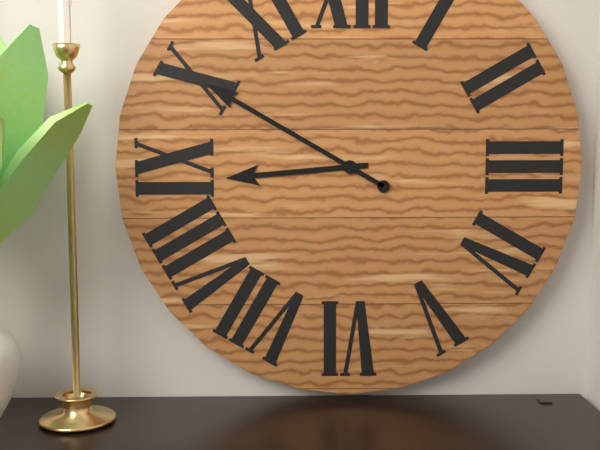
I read 8.50
